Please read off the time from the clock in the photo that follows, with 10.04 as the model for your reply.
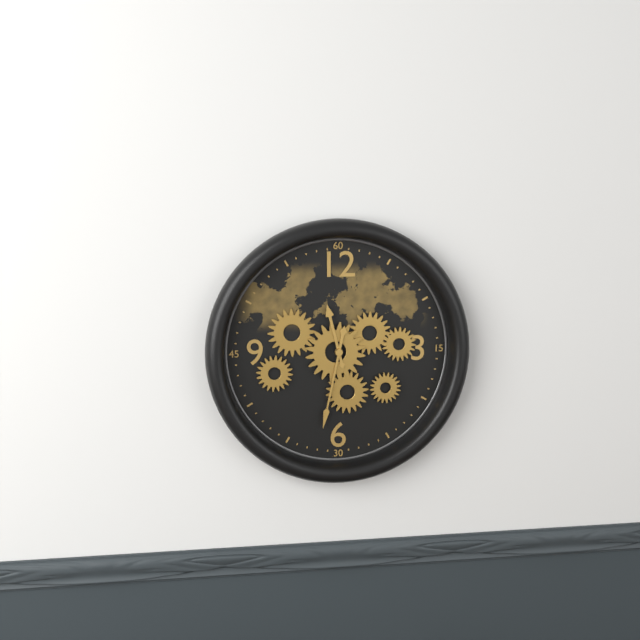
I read 11.32
